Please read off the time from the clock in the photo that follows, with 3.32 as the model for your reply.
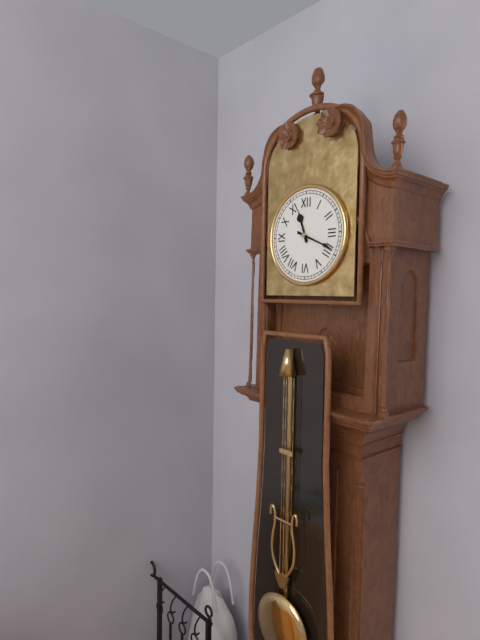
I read 11.19
